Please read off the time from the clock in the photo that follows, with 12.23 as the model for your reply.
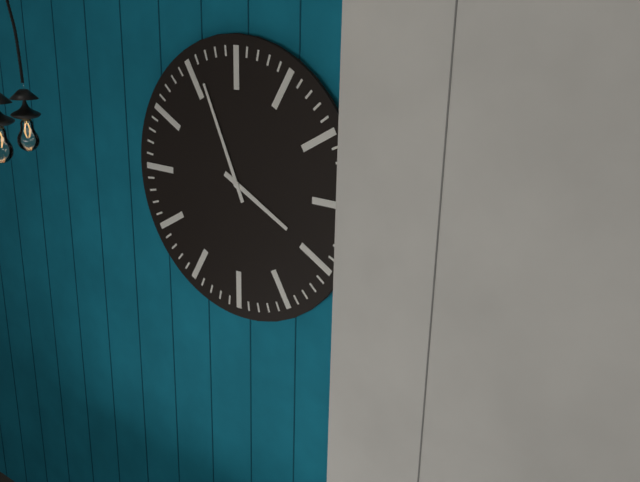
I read 3.56
